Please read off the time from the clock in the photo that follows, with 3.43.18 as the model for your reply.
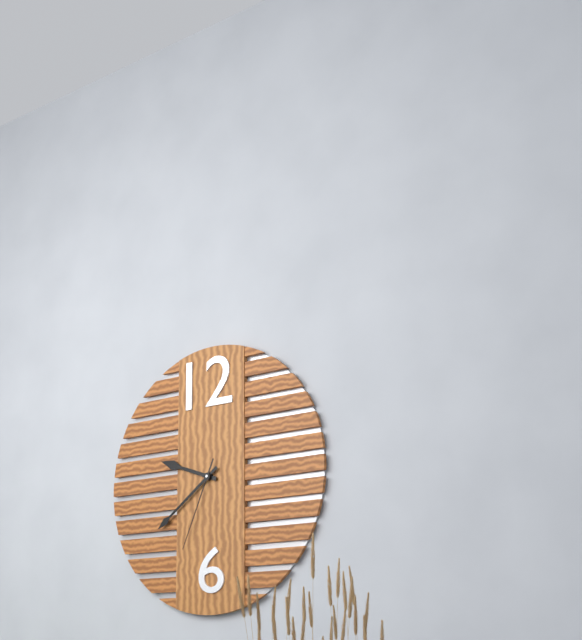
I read 9.39.34
